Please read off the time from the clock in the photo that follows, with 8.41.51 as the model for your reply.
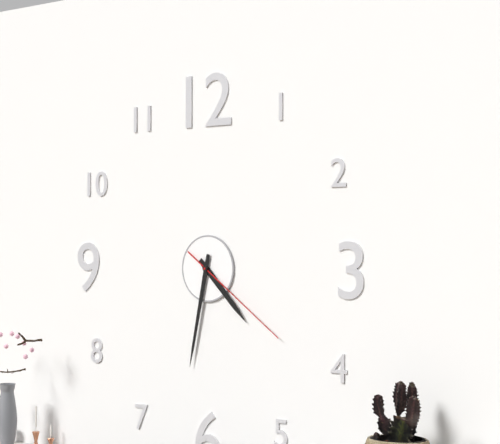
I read 4.32.21
